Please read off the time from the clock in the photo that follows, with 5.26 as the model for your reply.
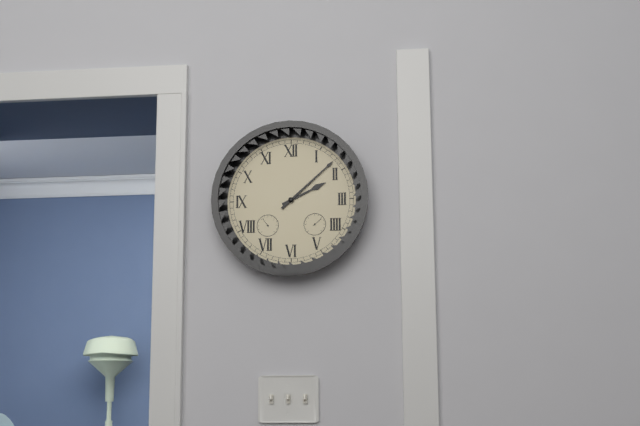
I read 2.08
